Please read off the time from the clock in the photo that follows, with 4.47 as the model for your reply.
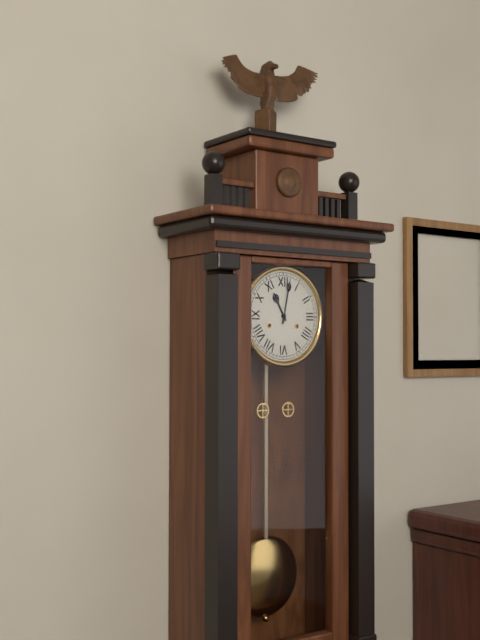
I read 11.02
